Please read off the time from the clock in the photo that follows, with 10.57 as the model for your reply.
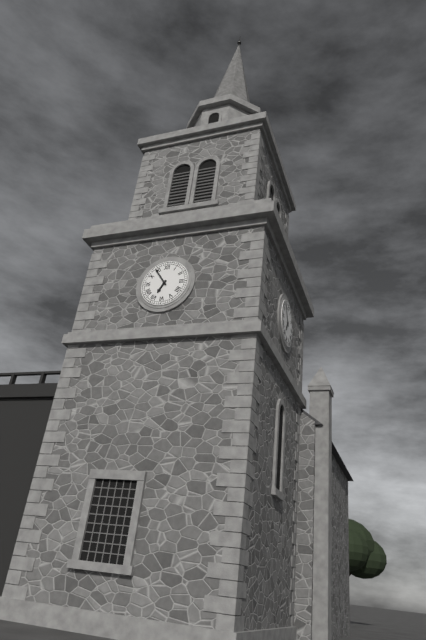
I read 6.54
